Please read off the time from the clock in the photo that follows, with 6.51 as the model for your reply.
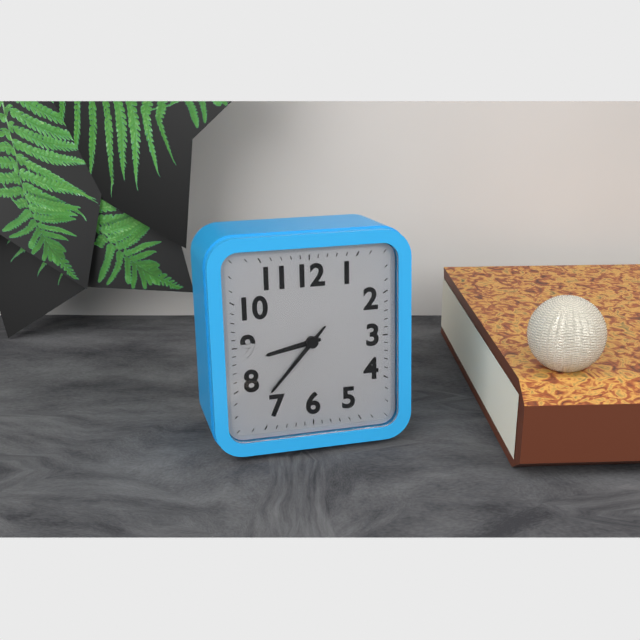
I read 8.37
